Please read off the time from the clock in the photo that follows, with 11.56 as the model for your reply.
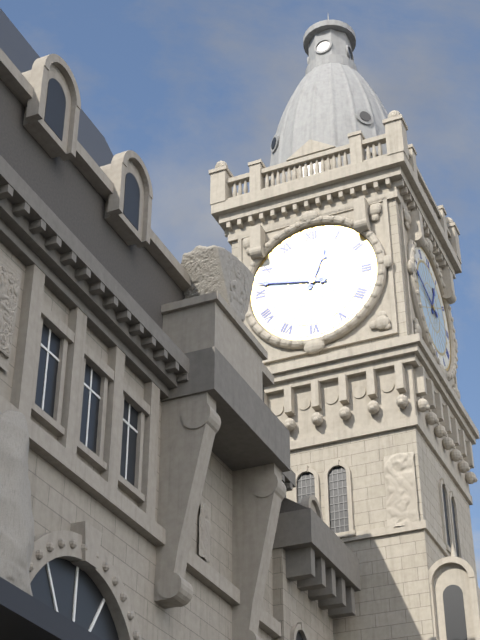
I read 12.47
